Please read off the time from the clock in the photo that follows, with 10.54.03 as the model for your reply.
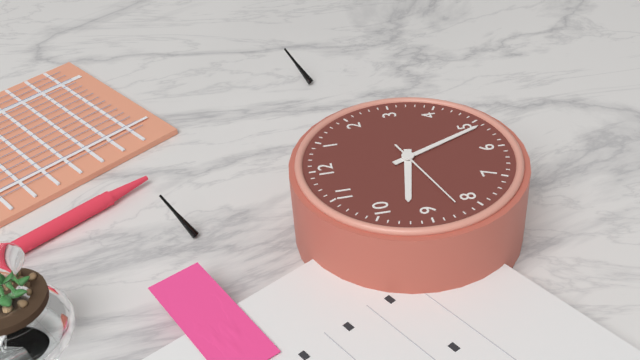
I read 9.26.42
